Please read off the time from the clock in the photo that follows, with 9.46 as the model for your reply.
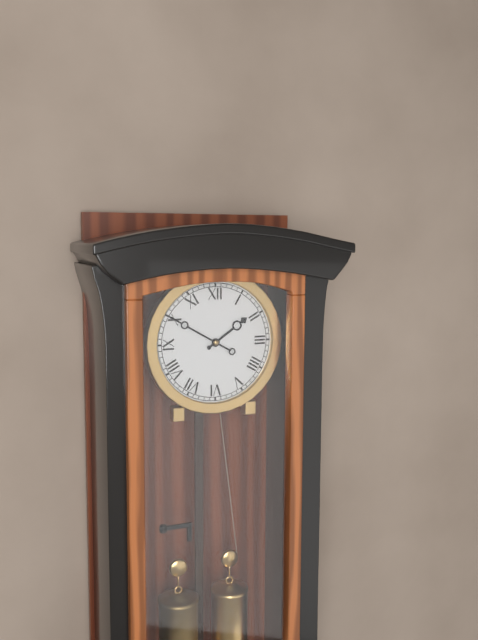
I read 1.50
